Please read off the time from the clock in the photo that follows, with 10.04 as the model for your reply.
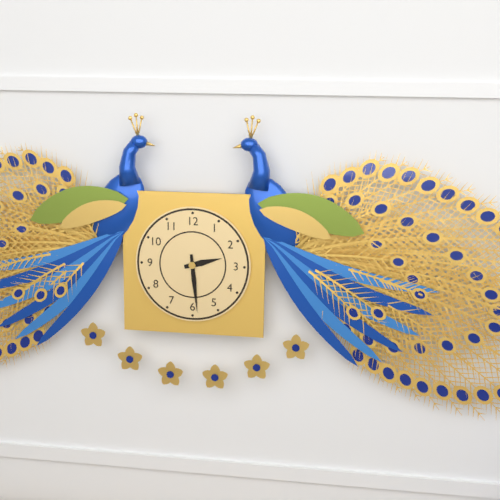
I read 2.29
